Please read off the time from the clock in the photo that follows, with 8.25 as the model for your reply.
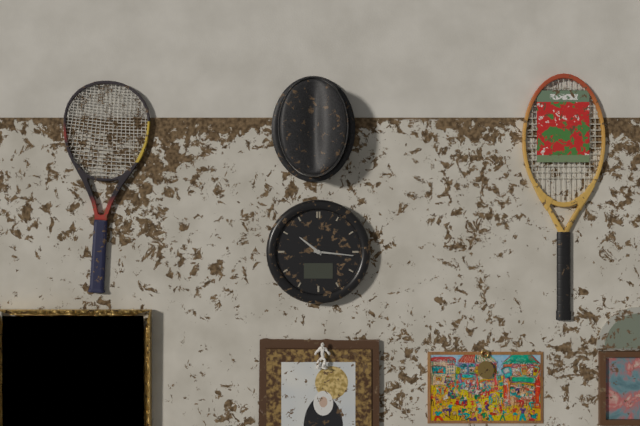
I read 10.16
